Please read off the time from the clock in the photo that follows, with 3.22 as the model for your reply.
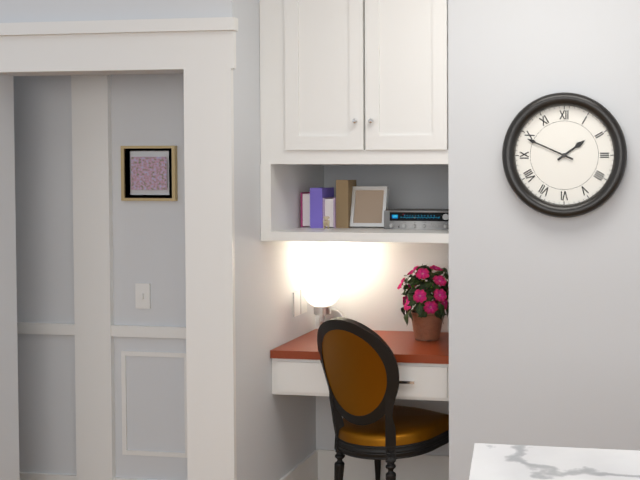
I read 1.49
